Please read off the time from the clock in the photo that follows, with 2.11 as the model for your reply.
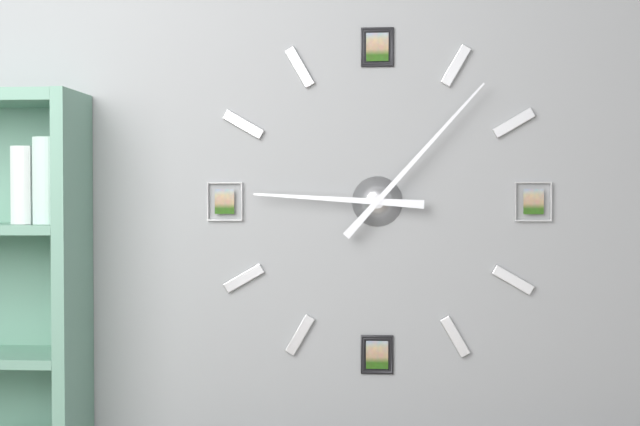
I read 9.07
